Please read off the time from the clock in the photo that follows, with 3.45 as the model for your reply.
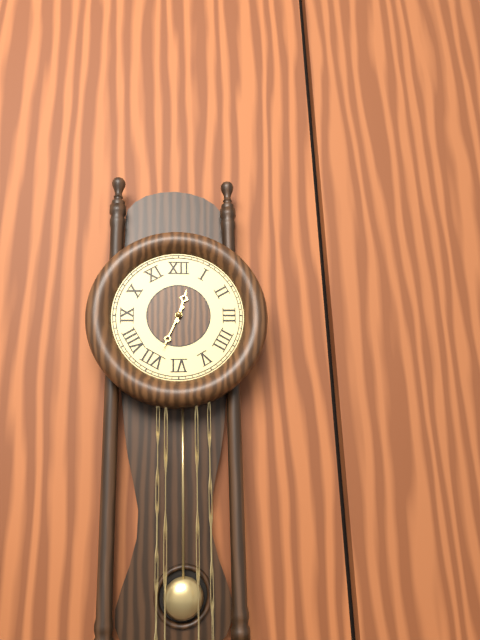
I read 12.34
